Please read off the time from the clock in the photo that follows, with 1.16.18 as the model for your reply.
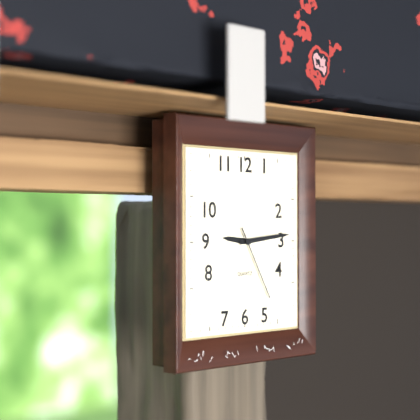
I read 9.14.25
